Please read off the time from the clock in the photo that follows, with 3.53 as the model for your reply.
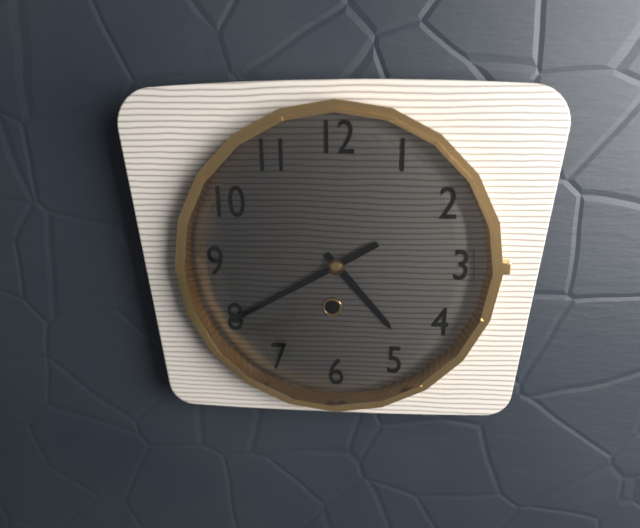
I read 4.40
